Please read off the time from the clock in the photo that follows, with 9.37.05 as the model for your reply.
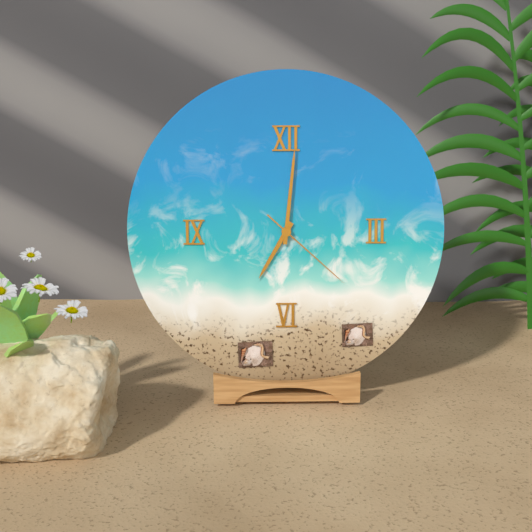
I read 7.01.22
